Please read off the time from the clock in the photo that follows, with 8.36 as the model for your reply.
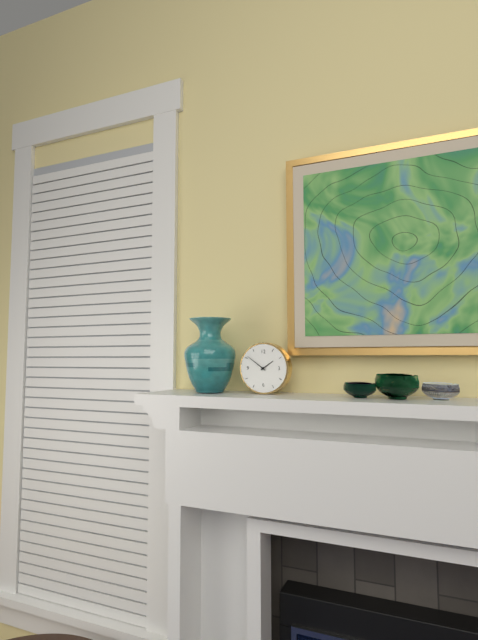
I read 1.51
